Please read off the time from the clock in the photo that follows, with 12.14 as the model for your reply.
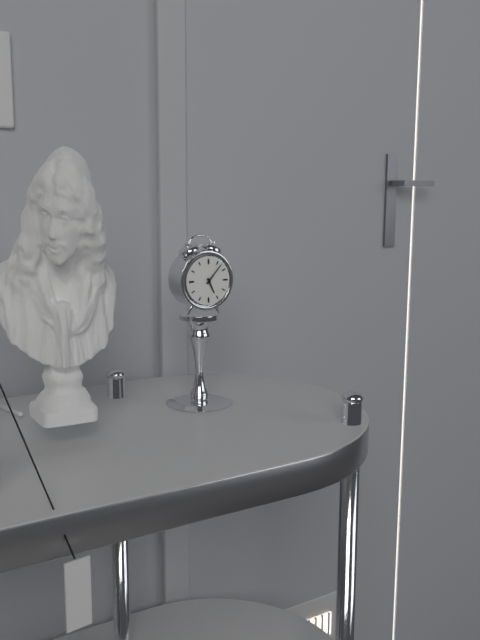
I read 5.07
